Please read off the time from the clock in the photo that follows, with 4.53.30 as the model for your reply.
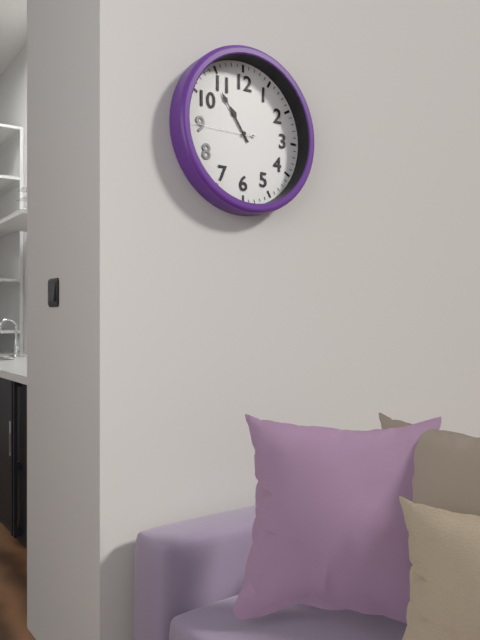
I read 10.54.45
